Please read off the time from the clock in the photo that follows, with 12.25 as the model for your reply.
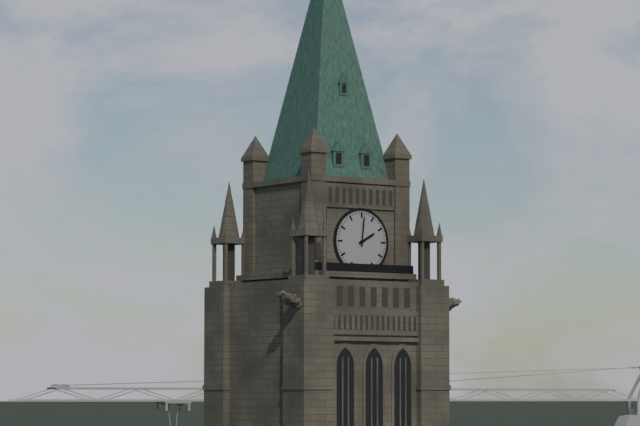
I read 2.01
